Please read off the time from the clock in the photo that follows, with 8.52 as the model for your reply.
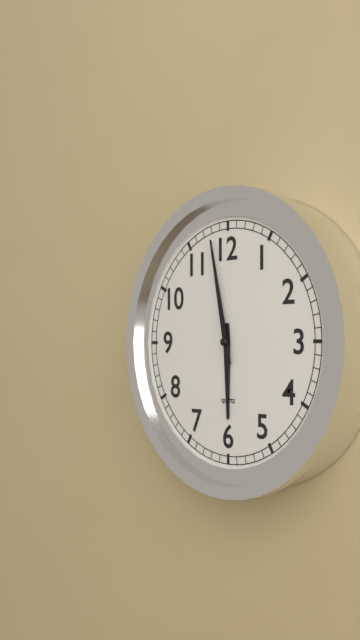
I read 5.58
